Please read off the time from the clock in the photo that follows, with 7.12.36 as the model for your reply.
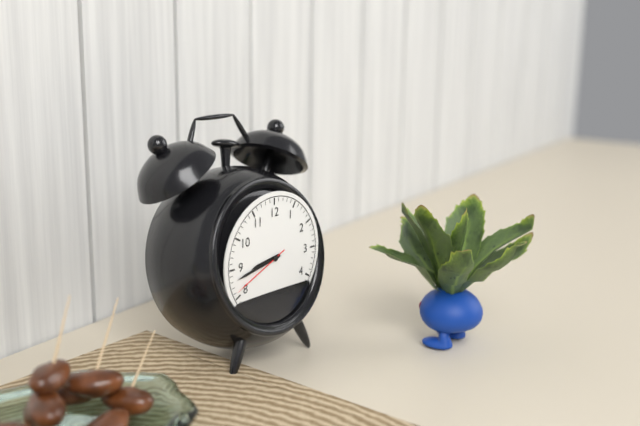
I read 8.43.41
